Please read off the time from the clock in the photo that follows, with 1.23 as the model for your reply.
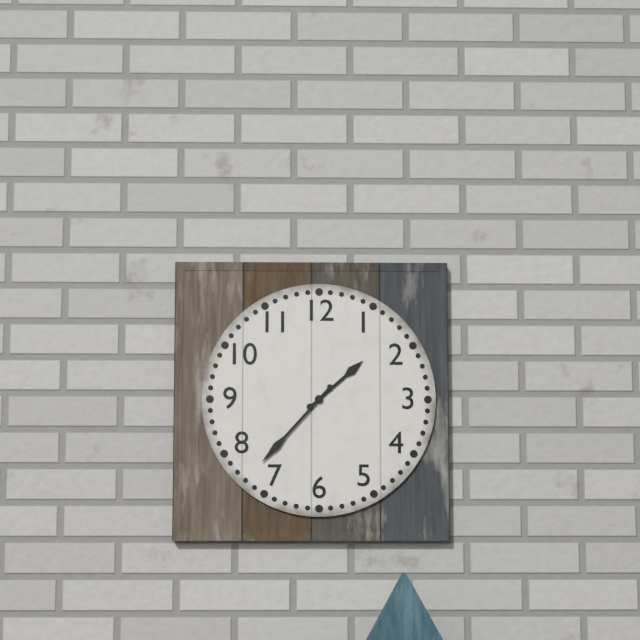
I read 1.37
